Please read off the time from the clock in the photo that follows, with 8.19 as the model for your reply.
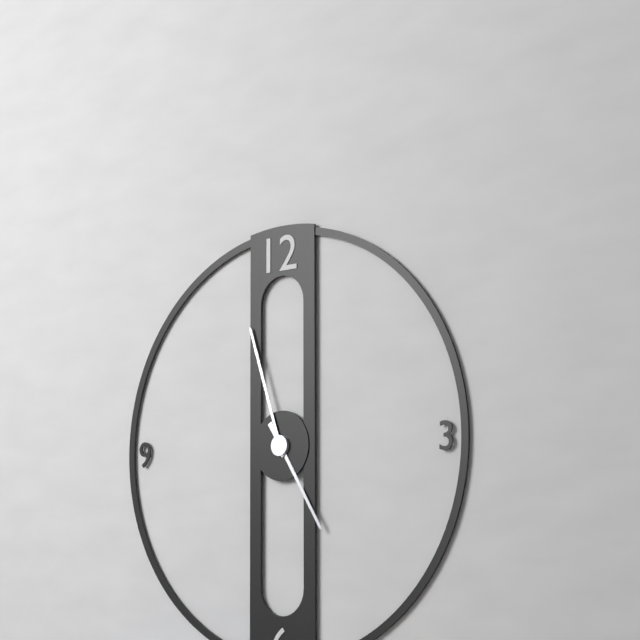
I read 4.57
